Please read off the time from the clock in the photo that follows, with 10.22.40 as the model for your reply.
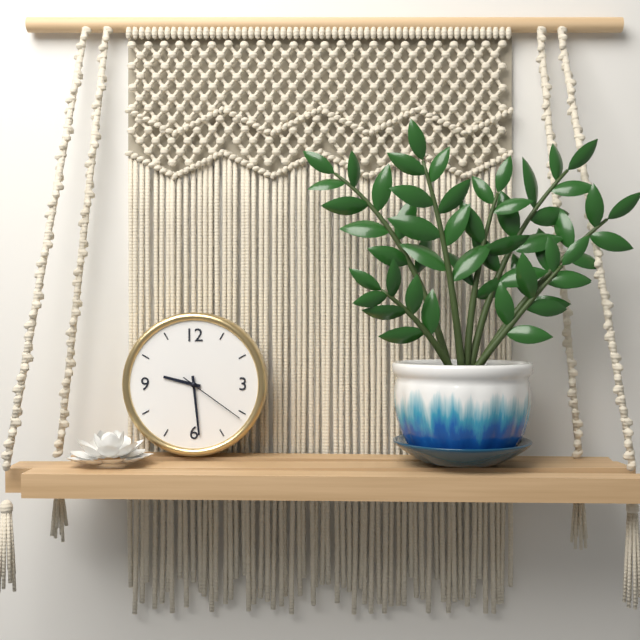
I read 9.29.21
